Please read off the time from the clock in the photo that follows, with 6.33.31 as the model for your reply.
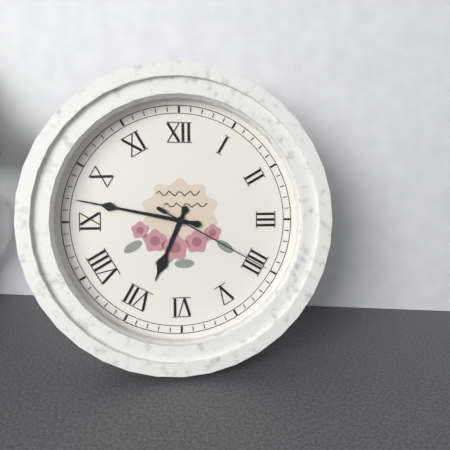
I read 6.47.20
